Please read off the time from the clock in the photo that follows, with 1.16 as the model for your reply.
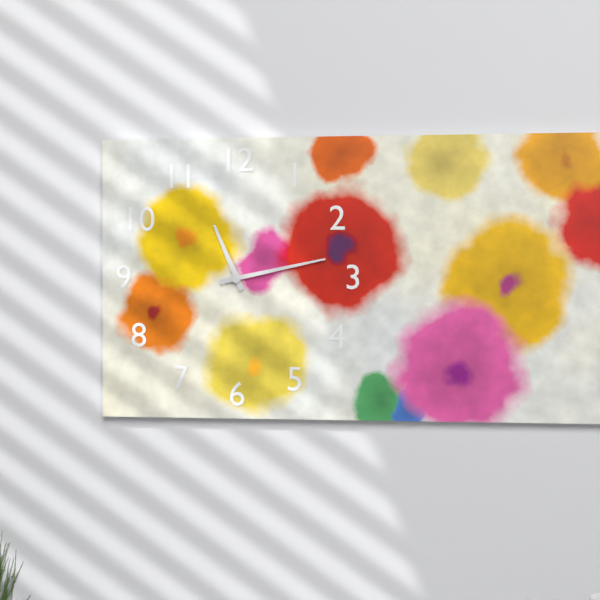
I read 11.13
